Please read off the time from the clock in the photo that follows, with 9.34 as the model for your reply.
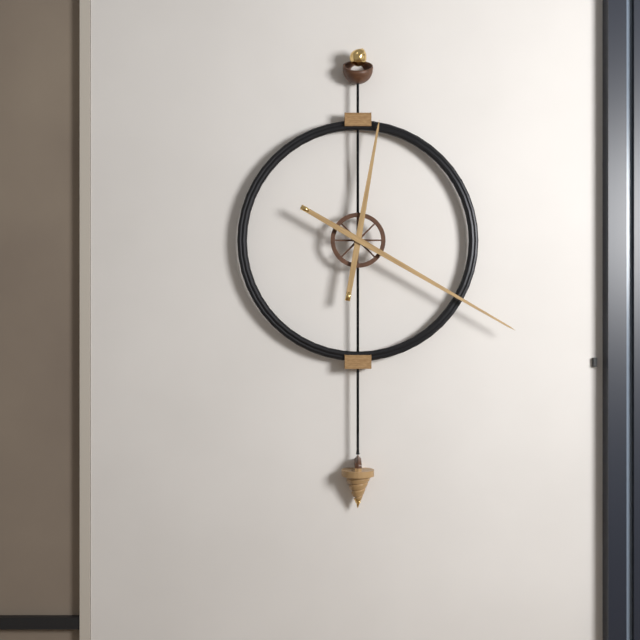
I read 12.20
